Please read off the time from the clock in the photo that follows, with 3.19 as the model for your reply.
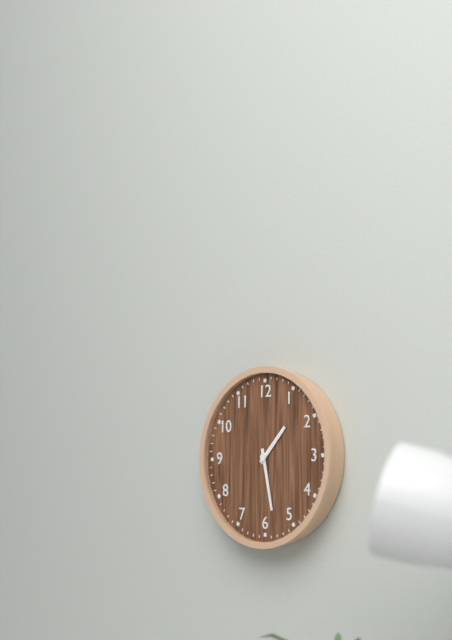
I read 1.28
